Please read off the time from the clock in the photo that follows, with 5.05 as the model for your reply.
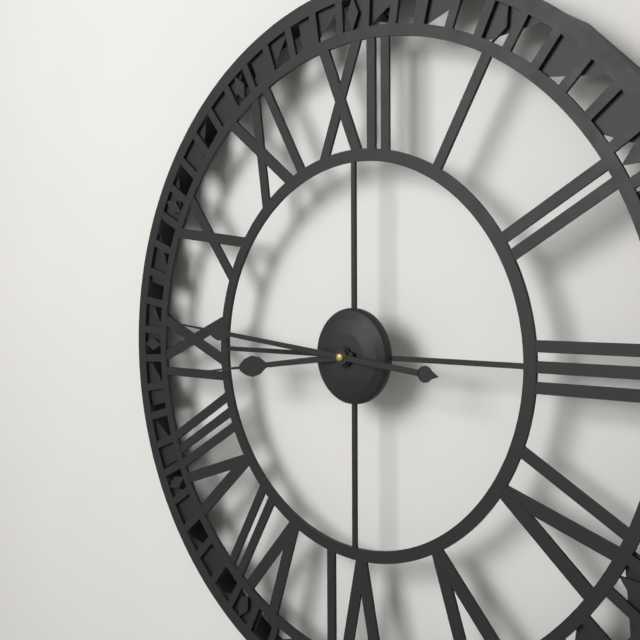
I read 8.46
